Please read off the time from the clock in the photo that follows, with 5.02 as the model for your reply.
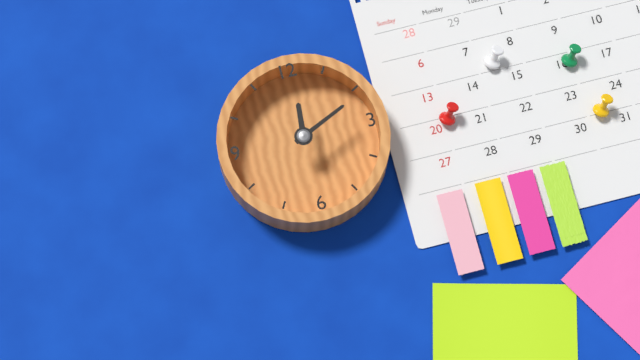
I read 12.11
